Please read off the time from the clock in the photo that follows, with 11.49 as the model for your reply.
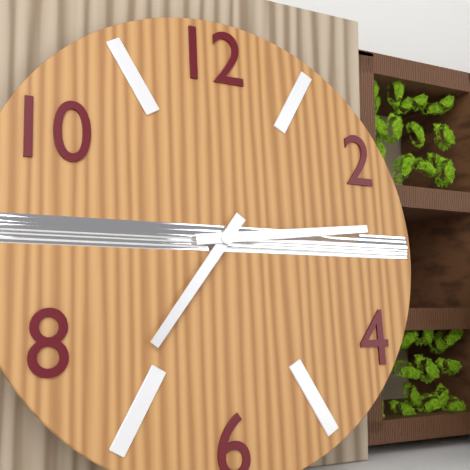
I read 7.14
